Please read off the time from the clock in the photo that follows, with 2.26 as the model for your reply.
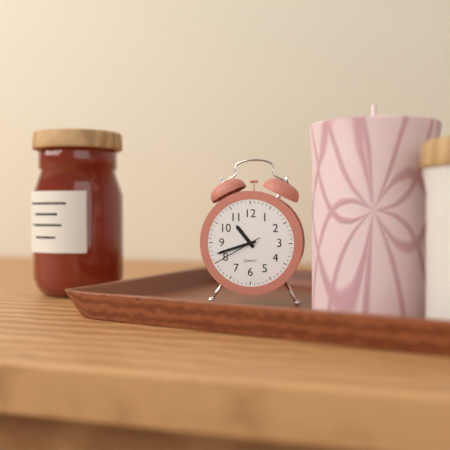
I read 10.42
